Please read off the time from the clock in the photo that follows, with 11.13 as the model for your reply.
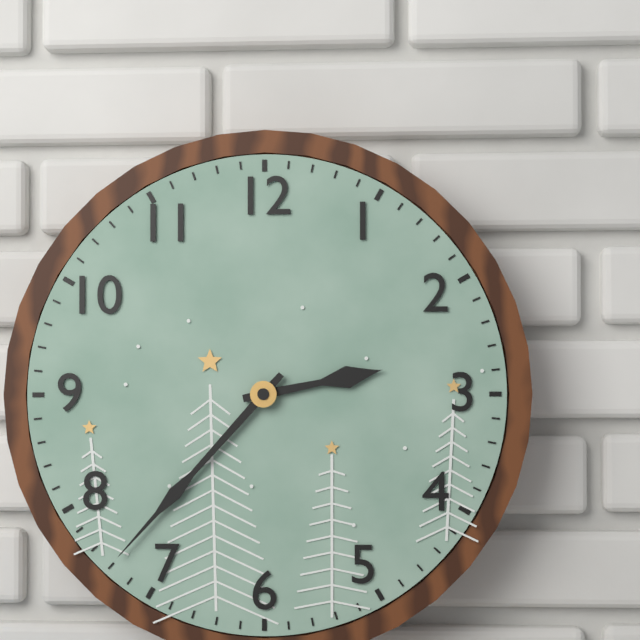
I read 2.37
